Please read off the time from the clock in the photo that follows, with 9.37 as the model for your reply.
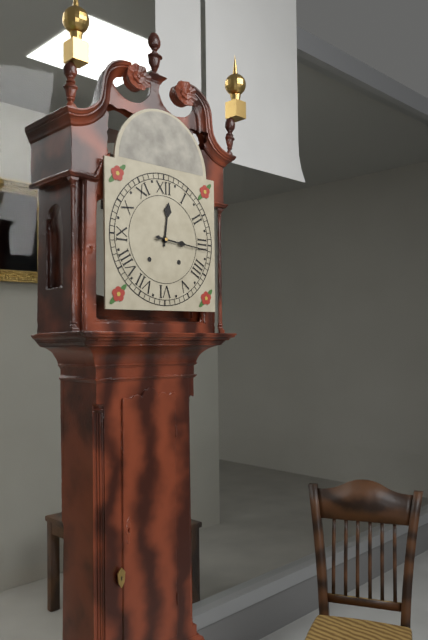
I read 12.16
